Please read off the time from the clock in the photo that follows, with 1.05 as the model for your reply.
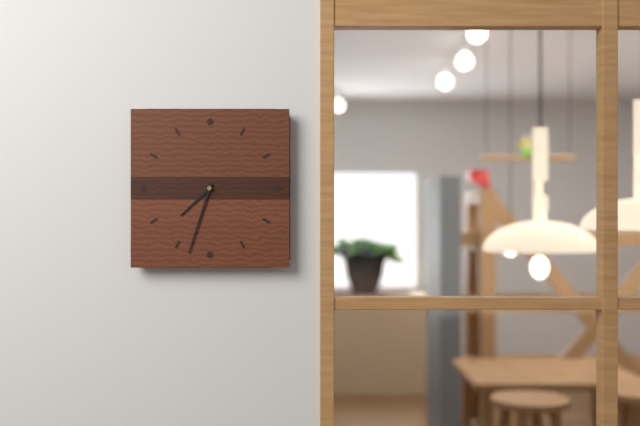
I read 7.33
